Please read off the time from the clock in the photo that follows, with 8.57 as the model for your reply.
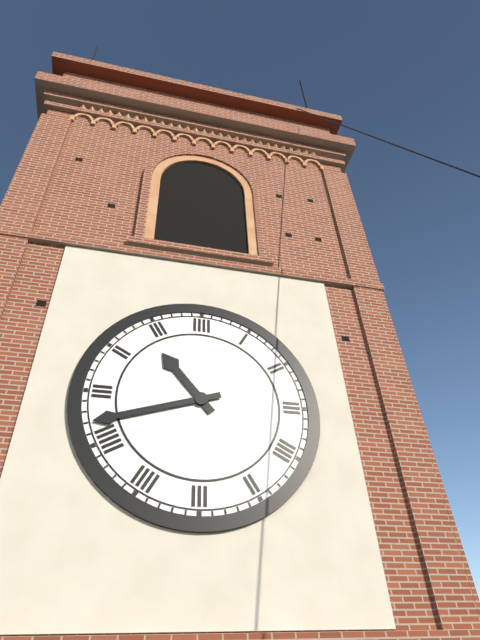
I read 10.42
